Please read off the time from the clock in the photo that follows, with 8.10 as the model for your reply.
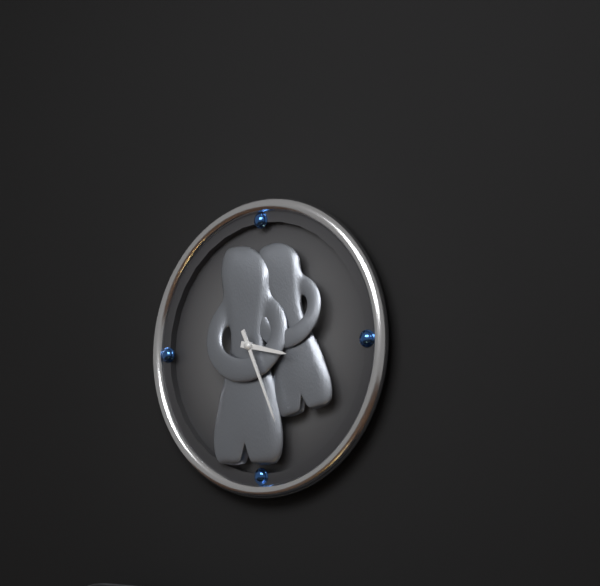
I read 3.26
